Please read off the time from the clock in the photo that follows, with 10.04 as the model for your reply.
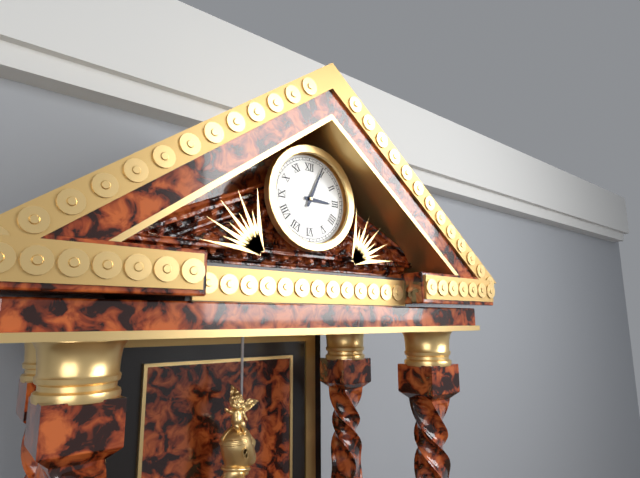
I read 3.04
